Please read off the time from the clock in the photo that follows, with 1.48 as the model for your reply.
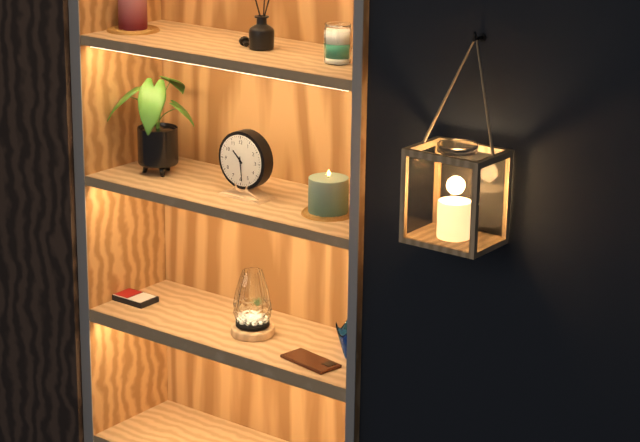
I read 10.29
